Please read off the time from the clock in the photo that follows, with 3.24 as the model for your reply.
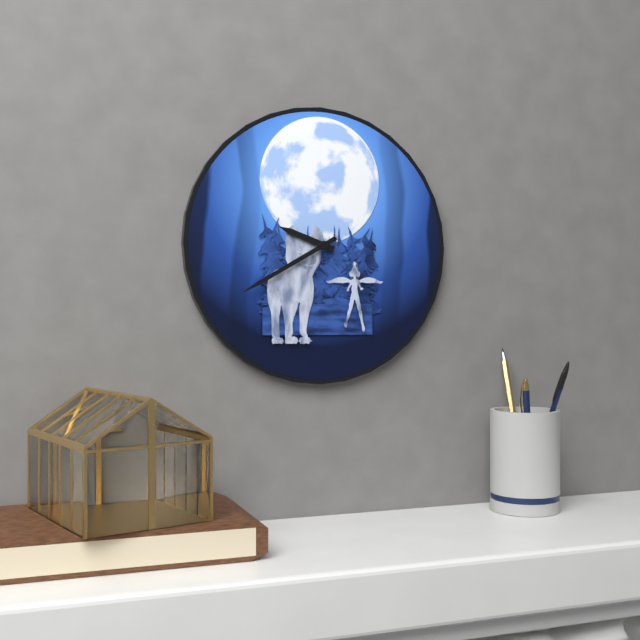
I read 9.40
